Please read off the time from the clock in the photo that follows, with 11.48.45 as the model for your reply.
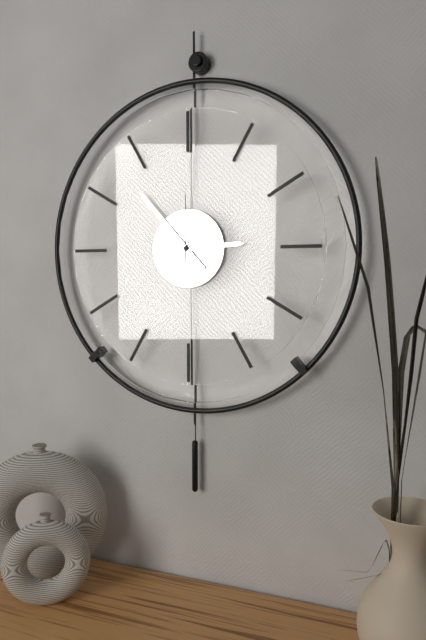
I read 2.53.00
